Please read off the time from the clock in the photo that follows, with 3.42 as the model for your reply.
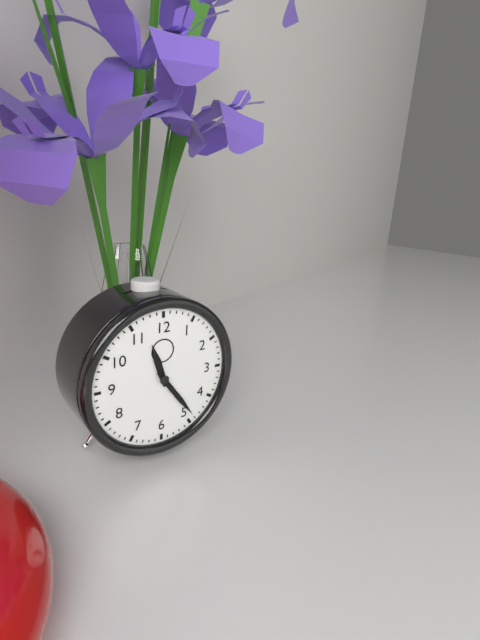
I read 11.24
